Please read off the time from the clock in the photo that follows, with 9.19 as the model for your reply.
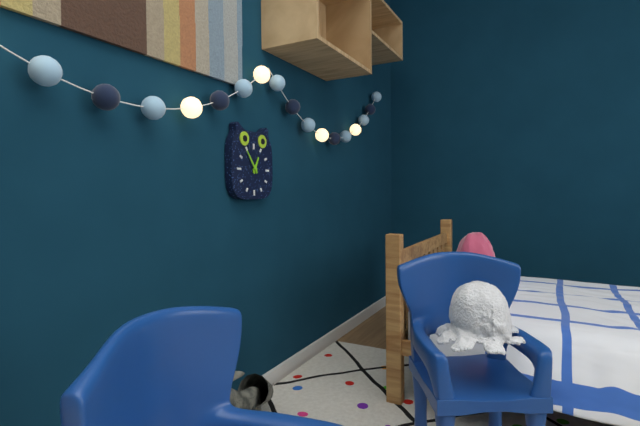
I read 12.54
